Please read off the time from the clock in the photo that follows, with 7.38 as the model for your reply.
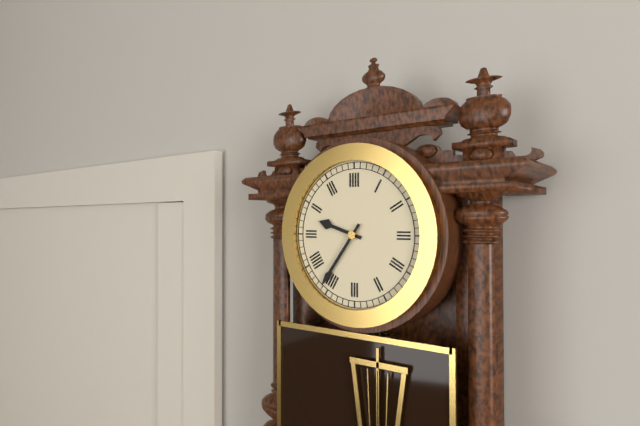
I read 9.36
